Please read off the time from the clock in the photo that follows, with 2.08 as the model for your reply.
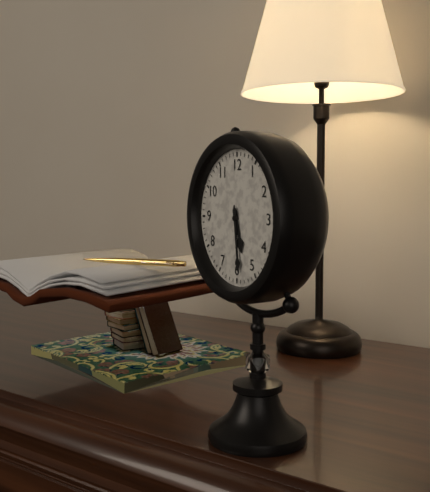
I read 5.29
